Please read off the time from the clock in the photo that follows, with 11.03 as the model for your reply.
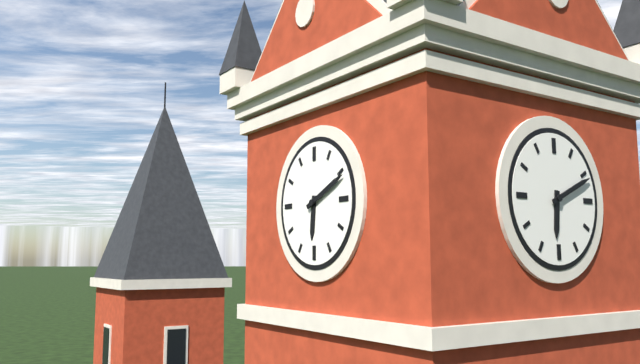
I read 6.11
